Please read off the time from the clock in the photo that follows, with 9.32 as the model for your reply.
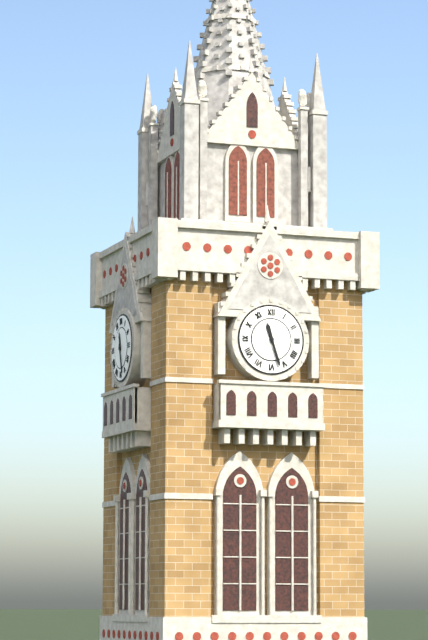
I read 11.27
